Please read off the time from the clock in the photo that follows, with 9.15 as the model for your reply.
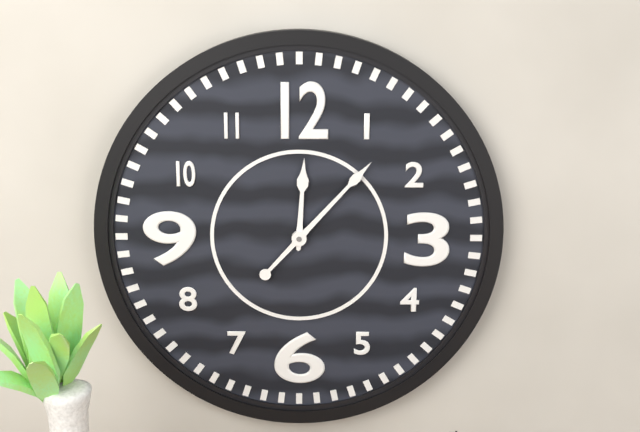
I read 12.07
